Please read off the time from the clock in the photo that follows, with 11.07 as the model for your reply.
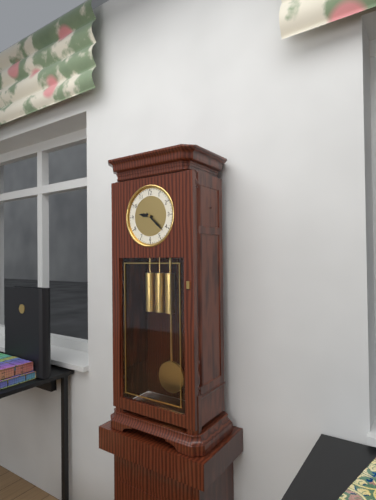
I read 9.22
